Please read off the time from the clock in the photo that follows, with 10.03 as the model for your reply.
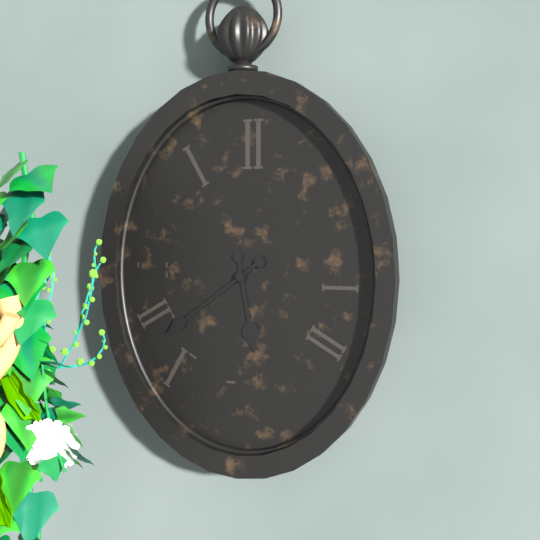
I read 5.39
